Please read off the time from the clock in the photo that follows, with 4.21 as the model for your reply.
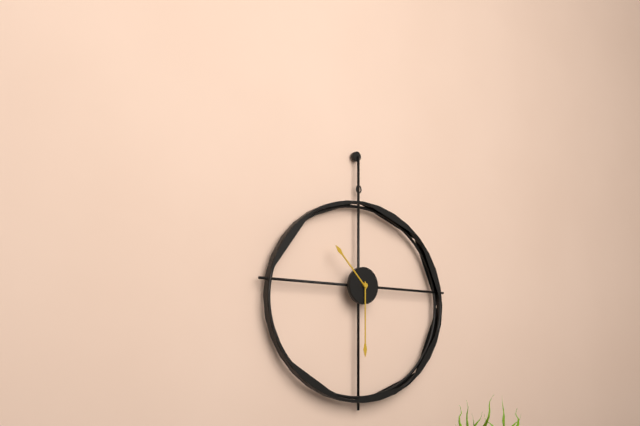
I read 10.30
